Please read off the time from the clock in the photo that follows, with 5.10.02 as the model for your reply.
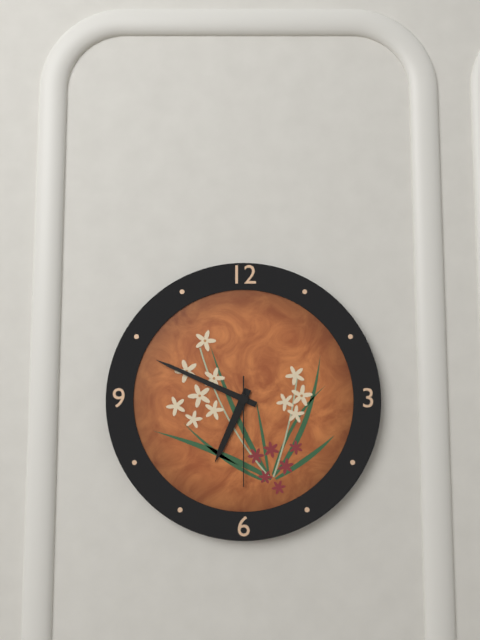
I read 6.49.30
